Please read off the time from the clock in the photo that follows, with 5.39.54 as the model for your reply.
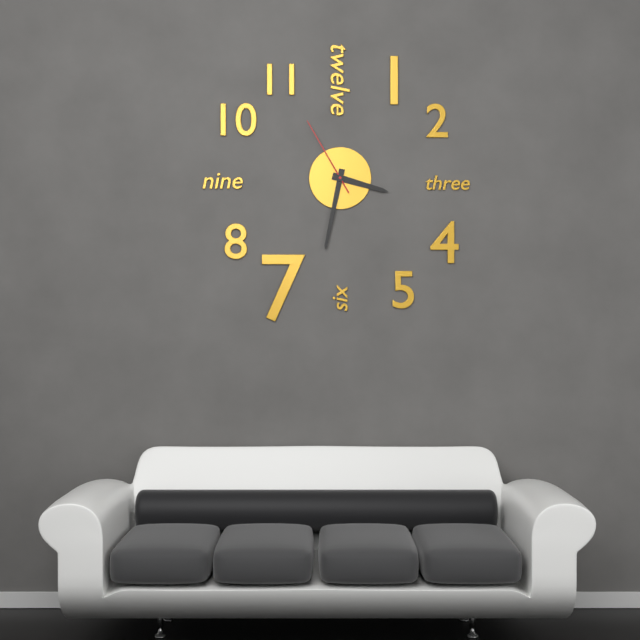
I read 3.32.55
